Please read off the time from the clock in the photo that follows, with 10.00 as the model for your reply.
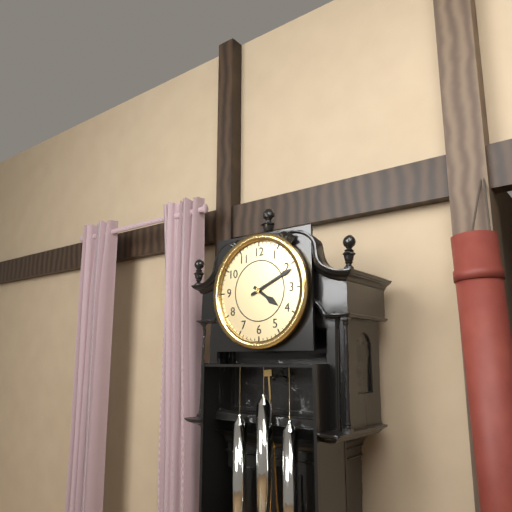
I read 4.11
